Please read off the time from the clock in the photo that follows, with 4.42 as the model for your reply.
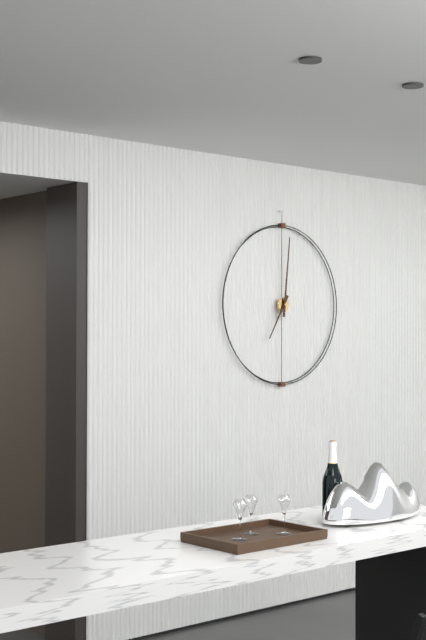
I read 7.01
